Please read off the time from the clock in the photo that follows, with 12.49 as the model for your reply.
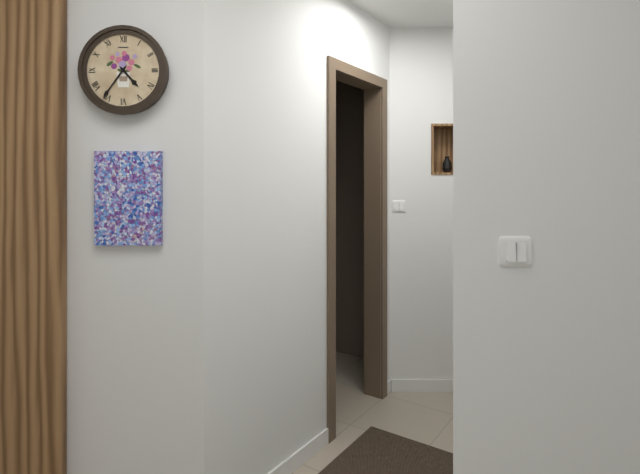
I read 4.36
